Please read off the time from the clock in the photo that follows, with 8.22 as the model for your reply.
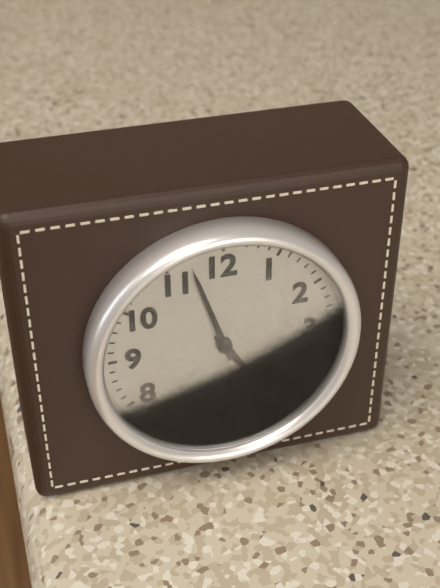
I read 4.57
